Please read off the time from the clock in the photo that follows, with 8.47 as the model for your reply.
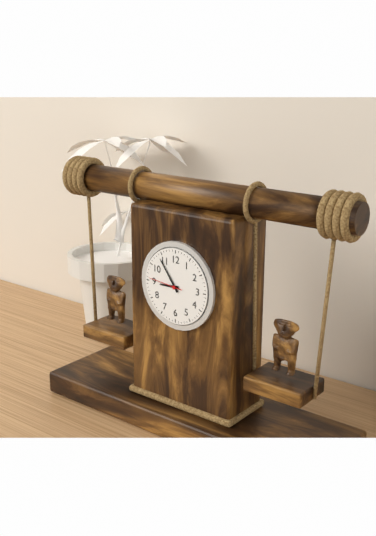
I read 8.54
